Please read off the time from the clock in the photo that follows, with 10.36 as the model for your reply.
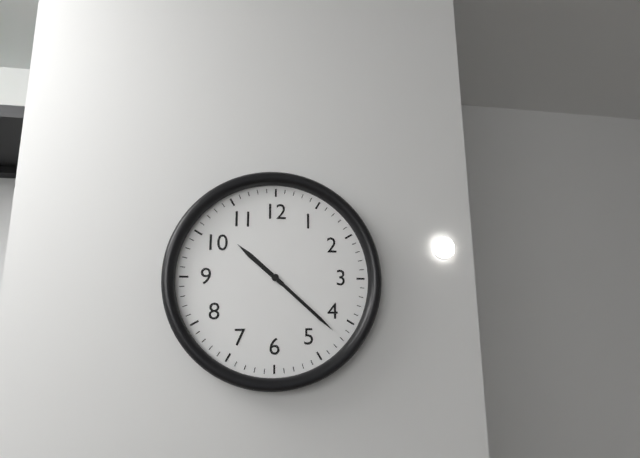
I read 10.22
